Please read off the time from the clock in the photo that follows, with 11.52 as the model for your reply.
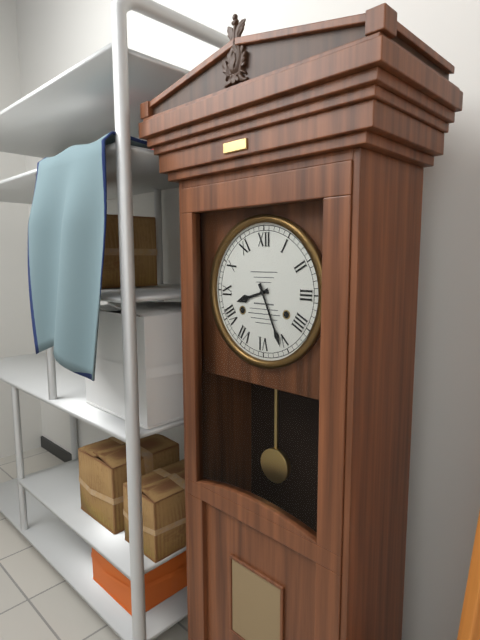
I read 8.26
